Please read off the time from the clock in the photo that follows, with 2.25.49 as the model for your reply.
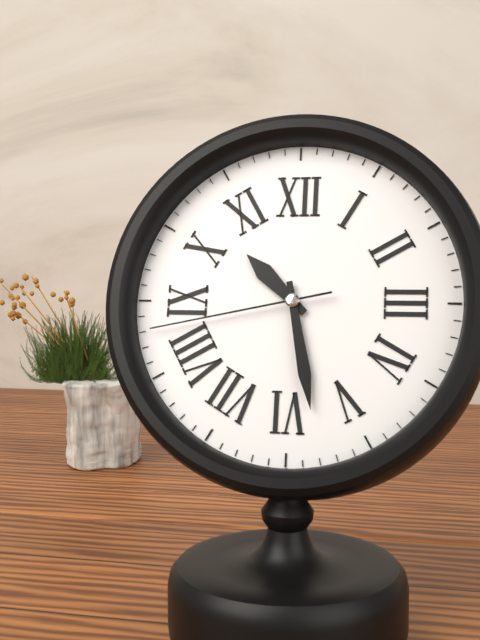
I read 10.28.43
